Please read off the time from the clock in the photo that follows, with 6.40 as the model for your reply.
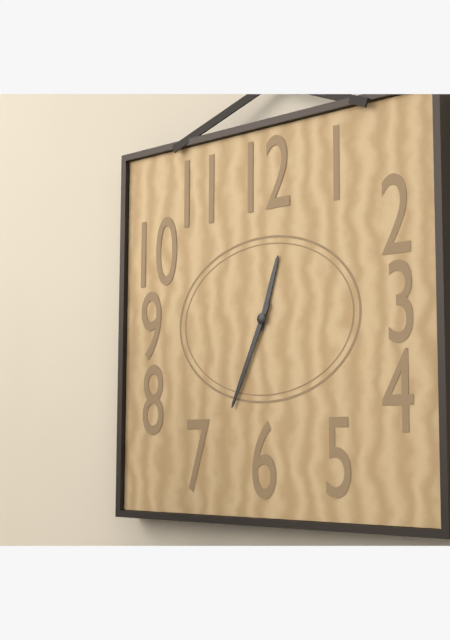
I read 12.34
